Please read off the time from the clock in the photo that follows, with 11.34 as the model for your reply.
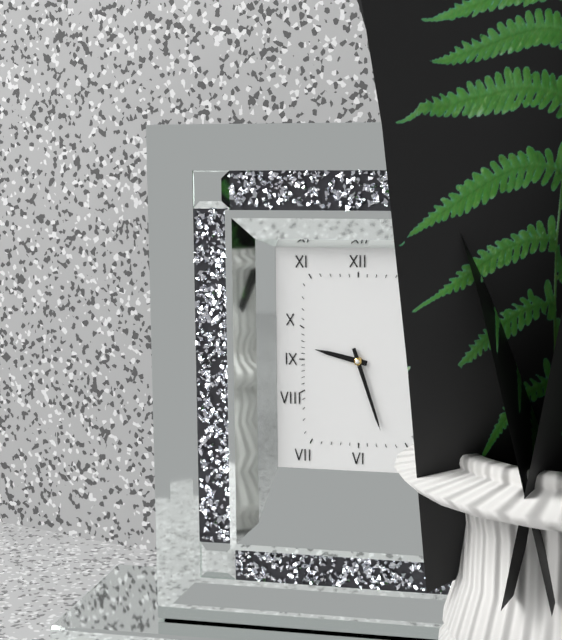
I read 9.27
